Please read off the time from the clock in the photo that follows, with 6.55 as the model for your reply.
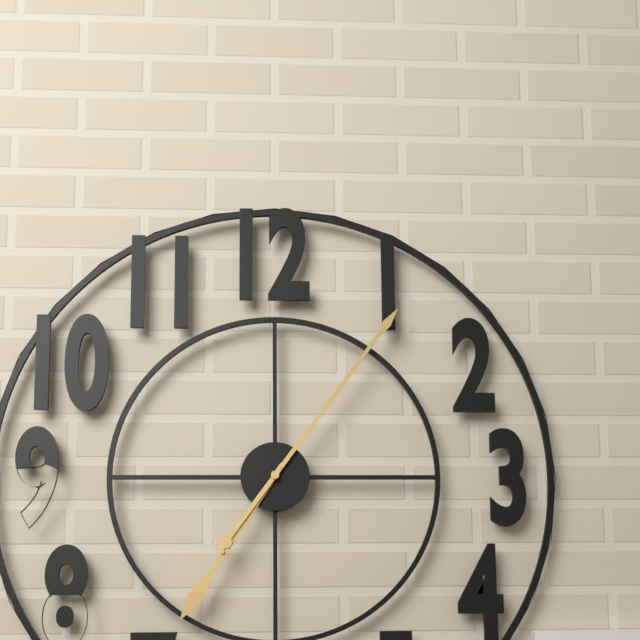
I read 7.06
